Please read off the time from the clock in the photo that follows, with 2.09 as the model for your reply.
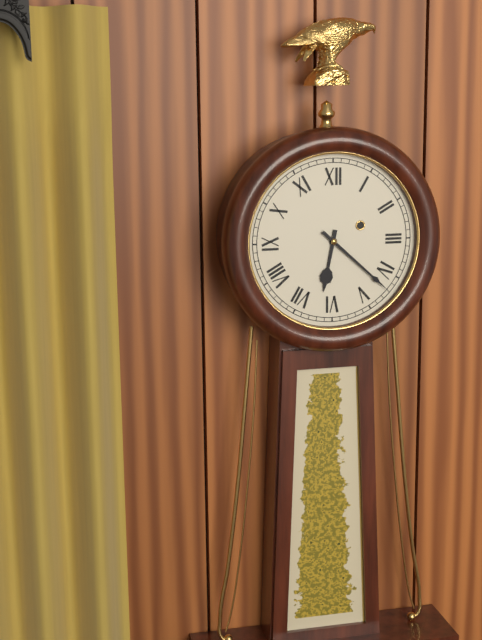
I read 6.22
